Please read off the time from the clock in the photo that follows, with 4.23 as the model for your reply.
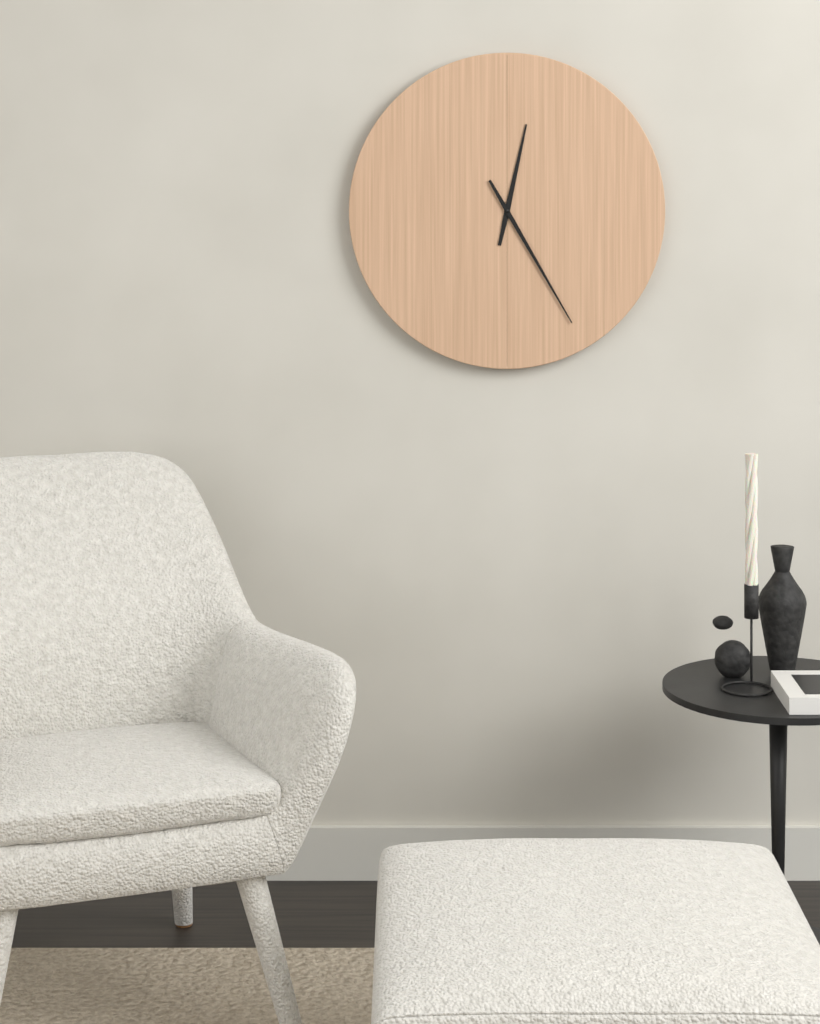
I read 12.25
